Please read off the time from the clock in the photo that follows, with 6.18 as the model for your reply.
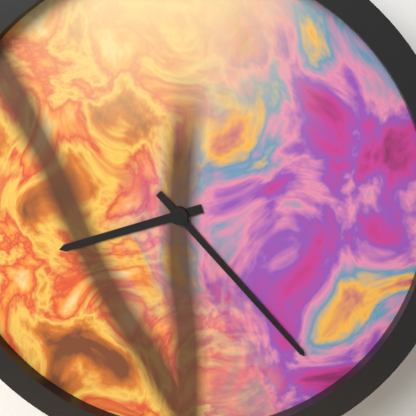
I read 8.23
